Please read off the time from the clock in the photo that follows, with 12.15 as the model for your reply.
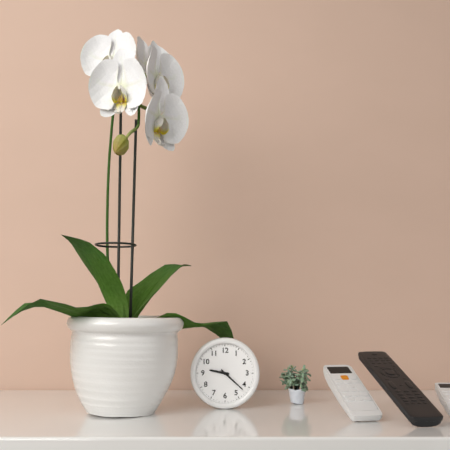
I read 9.22
